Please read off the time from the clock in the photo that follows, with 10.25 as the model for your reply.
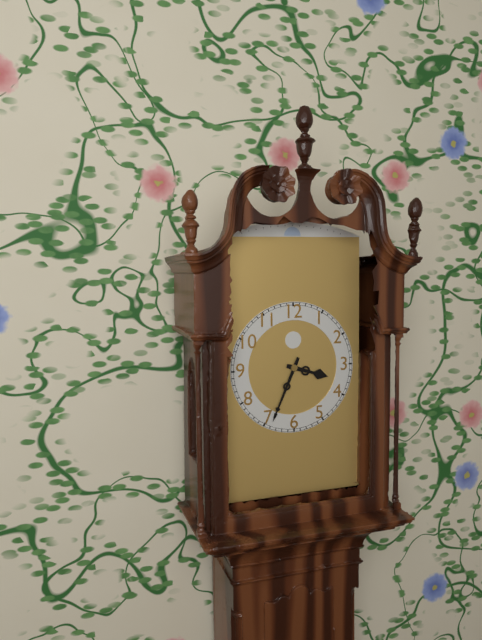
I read 3.34
